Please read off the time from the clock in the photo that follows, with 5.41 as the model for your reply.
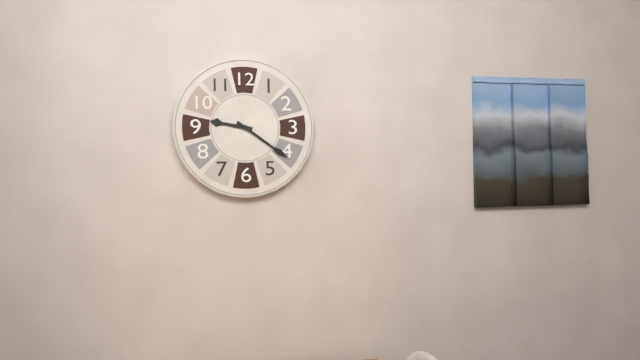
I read 9.21
